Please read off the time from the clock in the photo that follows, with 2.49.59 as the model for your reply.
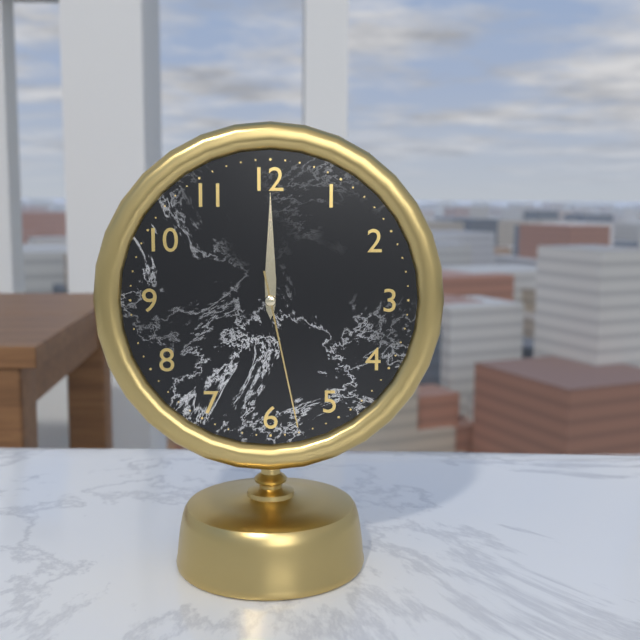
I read 12.00.28
